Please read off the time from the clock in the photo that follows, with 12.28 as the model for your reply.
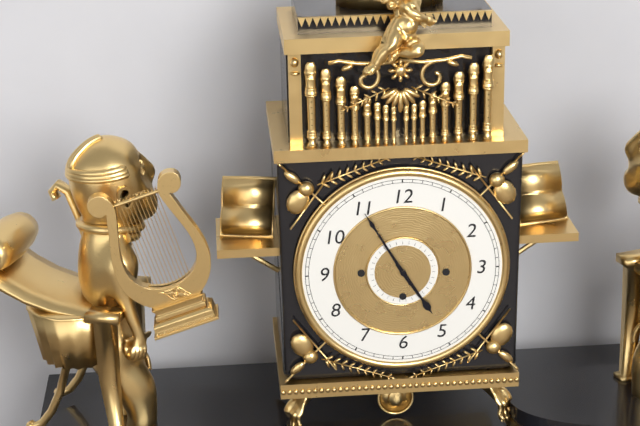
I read 4.55
